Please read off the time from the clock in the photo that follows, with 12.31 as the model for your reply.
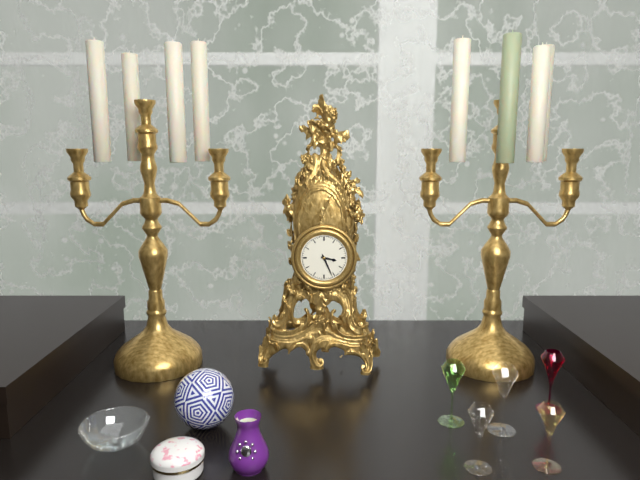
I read 3.26
